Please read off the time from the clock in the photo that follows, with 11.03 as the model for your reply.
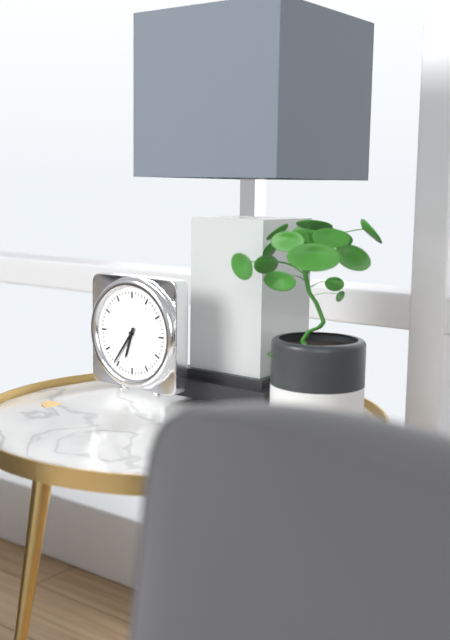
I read 6.36
